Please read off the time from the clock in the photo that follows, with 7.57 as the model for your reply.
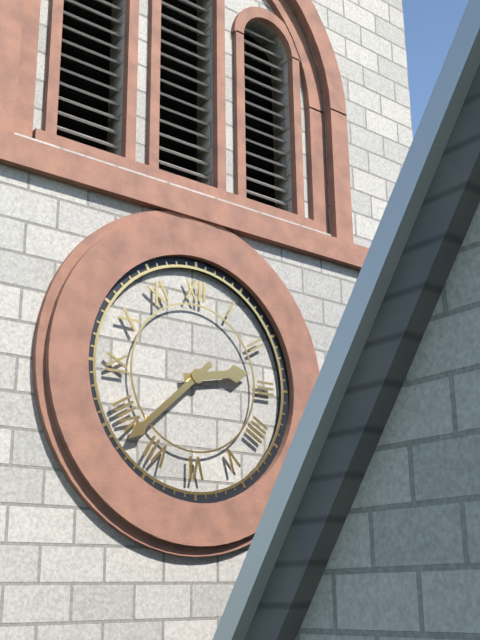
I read 2.38
